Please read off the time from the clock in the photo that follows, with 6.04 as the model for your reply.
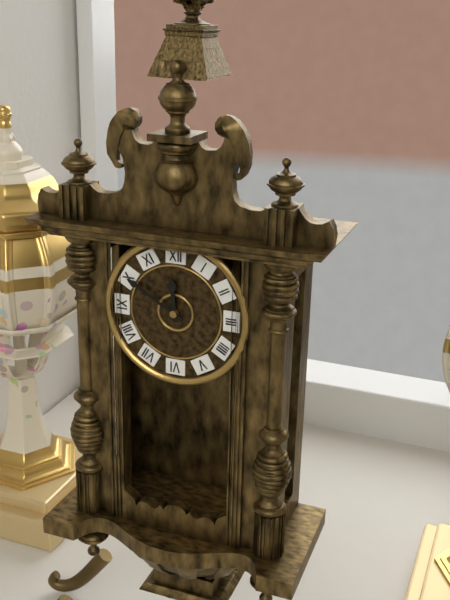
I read 11.50
